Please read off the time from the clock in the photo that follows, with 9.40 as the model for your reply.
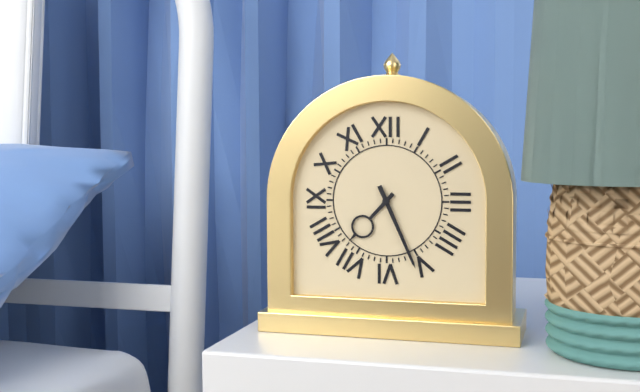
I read 7.26
